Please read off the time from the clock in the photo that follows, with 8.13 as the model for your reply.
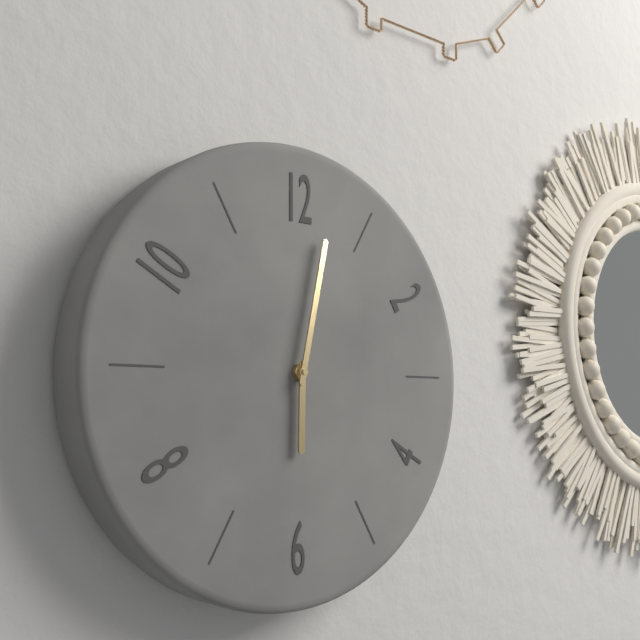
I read 6.02
